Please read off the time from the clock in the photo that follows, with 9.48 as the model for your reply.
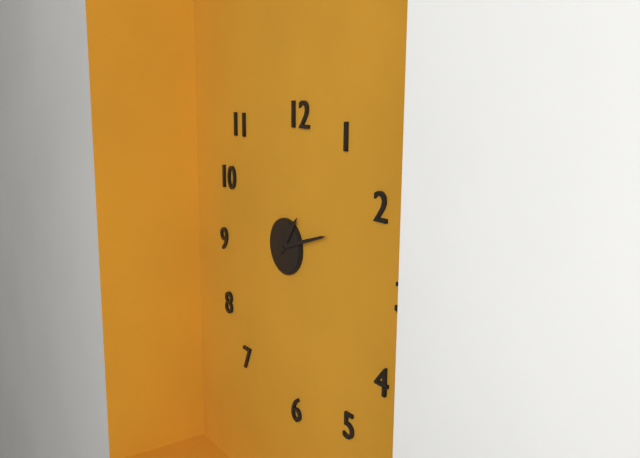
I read 1.12
